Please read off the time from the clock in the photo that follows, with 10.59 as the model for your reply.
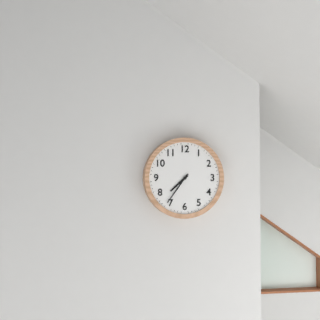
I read 7.36
